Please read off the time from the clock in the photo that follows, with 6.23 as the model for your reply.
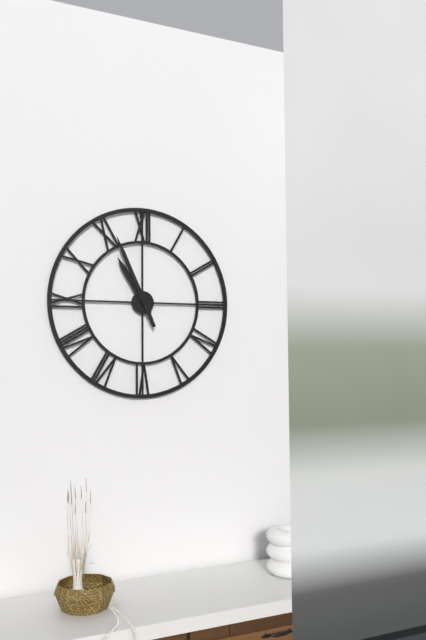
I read 10.56
